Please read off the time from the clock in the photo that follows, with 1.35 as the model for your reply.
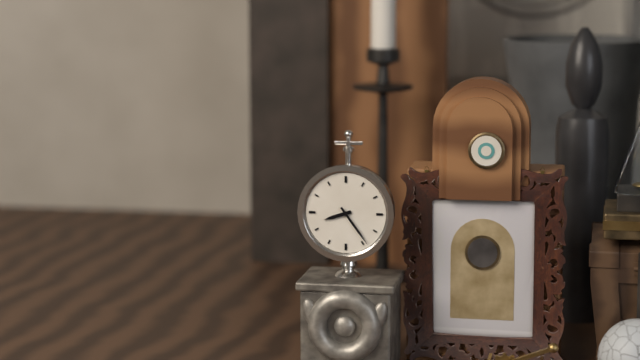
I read 8.24
